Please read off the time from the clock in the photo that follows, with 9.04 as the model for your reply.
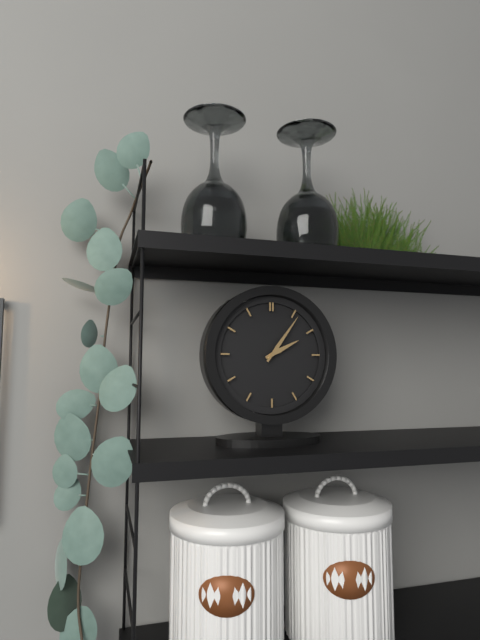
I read 2.06
